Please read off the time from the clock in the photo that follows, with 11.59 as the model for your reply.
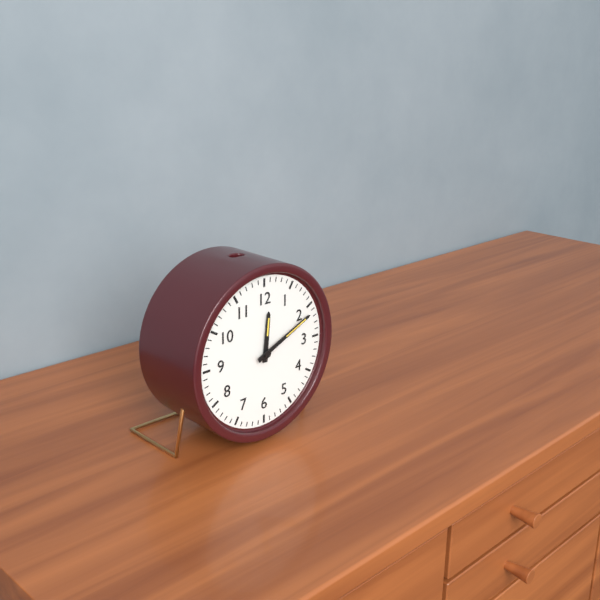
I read 12.11
